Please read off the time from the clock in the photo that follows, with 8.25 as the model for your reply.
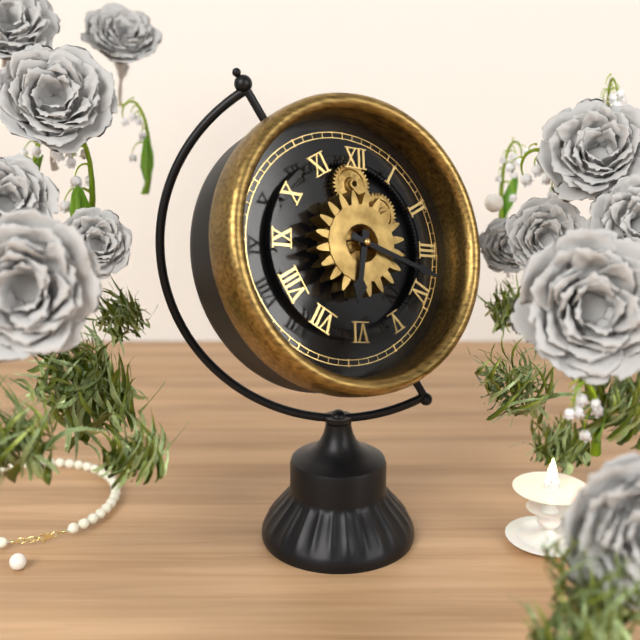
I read 6.18
